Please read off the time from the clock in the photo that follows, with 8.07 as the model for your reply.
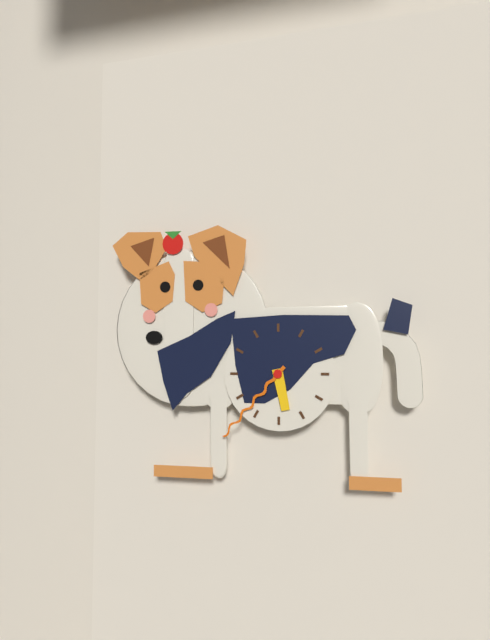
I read 5.37
